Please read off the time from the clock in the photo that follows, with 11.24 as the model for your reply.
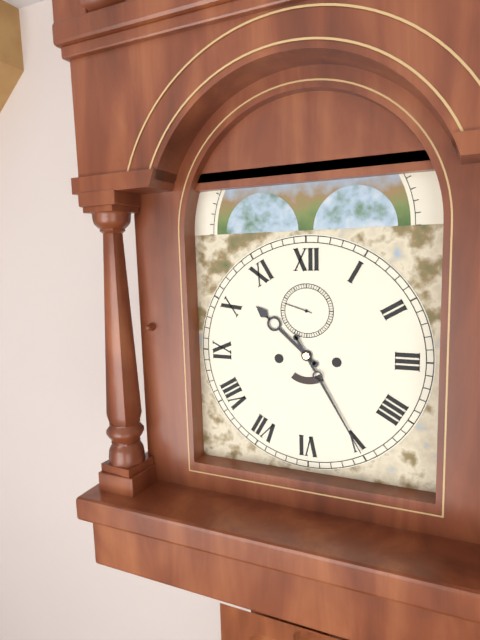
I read 10.25
